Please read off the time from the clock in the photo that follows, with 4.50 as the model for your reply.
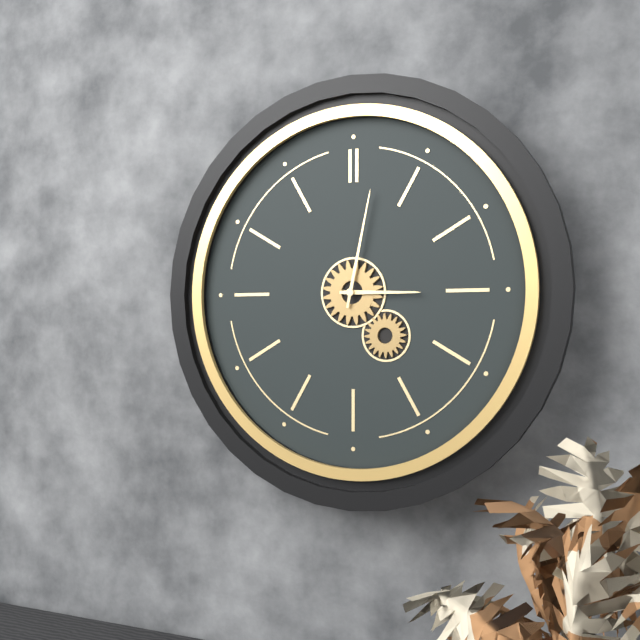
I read 3.02
